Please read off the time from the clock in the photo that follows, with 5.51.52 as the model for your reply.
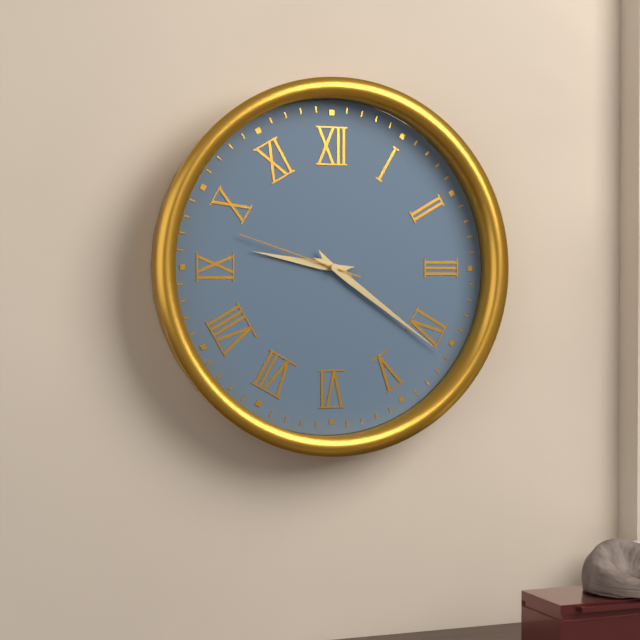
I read 9.21.48
